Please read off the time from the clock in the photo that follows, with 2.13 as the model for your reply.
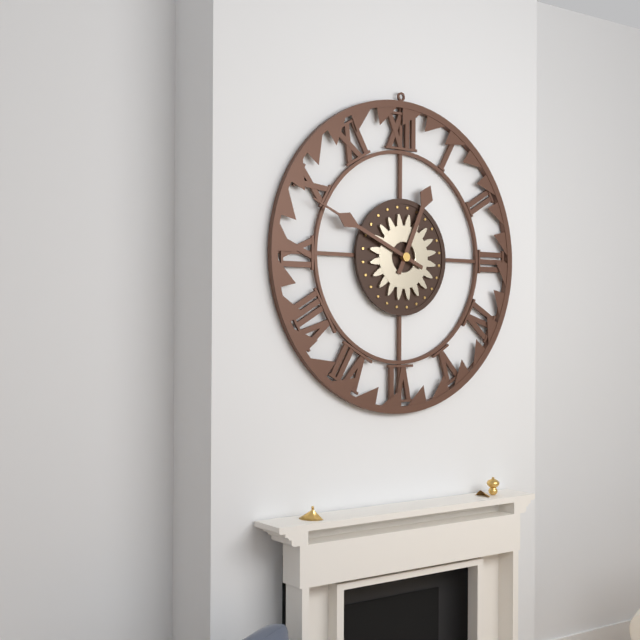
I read 12.49
